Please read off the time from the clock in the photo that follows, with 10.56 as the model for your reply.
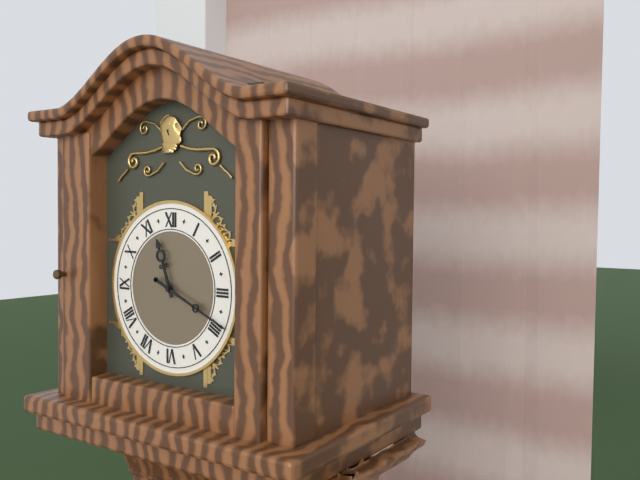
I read 11.19
